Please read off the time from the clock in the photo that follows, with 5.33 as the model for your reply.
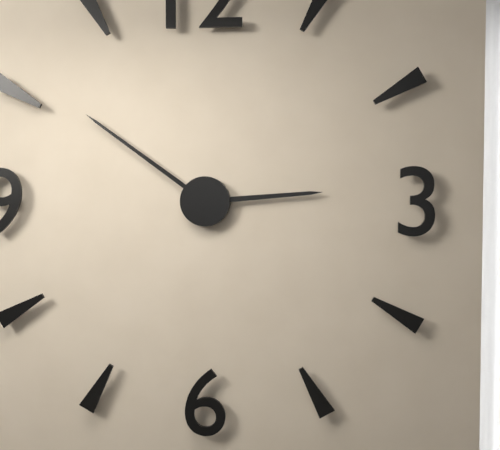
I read 2.51
